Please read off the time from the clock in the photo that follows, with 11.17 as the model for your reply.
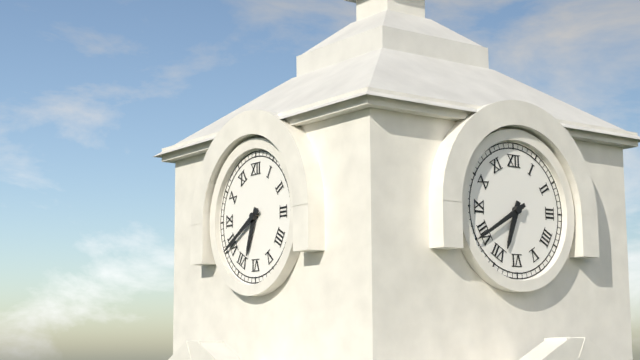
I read 6.40
